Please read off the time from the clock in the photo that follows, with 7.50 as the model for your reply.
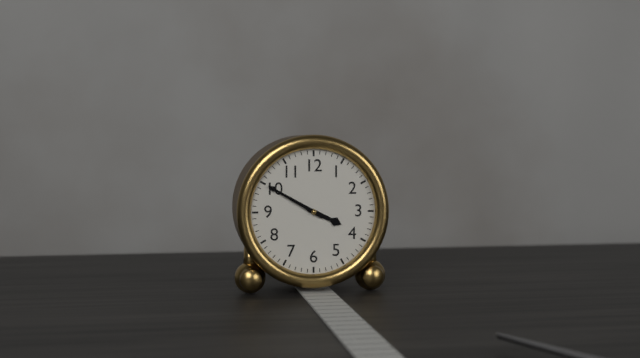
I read 3.50
